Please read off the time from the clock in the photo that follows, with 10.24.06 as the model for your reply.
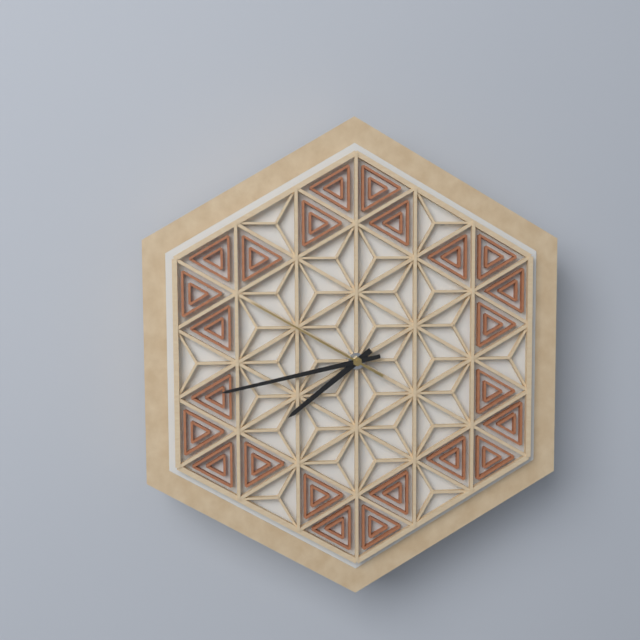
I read 7.43.50
